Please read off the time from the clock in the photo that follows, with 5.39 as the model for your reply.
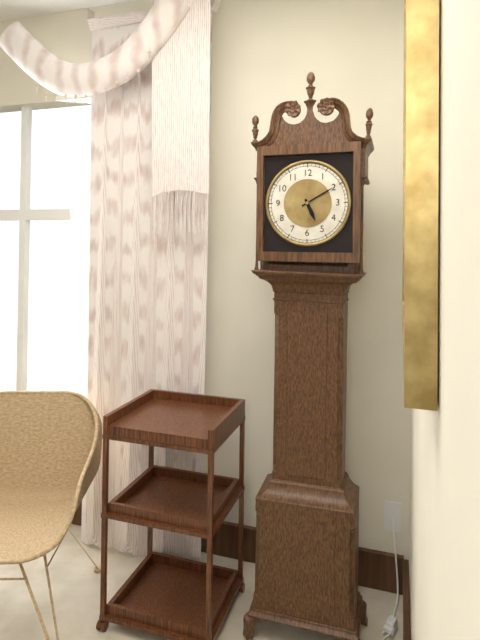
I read 5.10
